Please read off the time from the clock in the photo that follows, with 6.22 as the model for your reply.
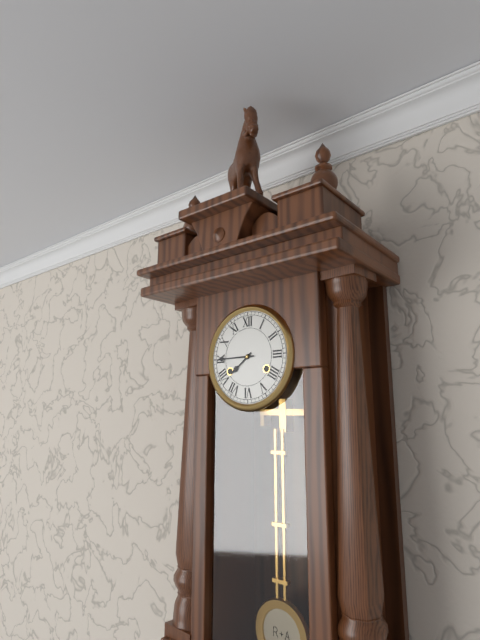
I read 7.45
